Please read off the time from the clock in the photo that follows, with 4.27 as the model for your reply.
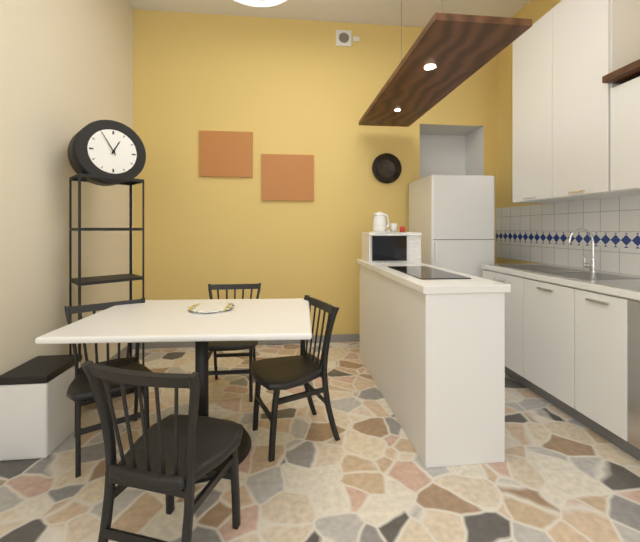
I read 12.55
